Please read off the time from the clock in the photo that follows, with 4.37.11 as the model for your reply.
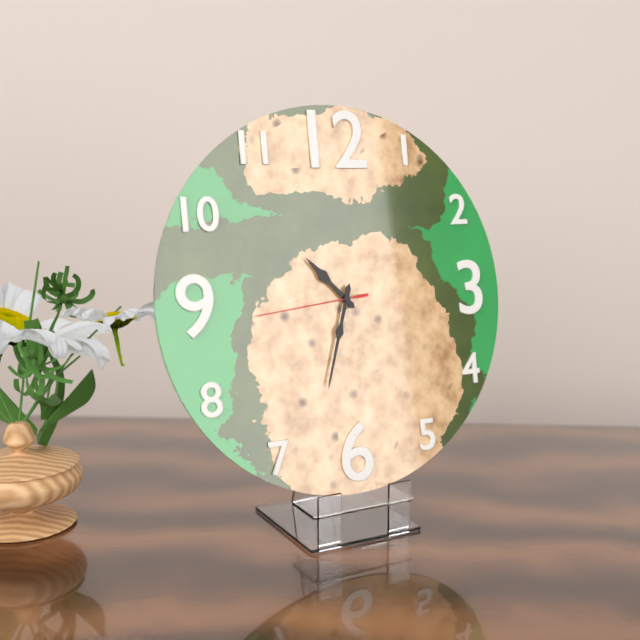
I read 10.33.44
